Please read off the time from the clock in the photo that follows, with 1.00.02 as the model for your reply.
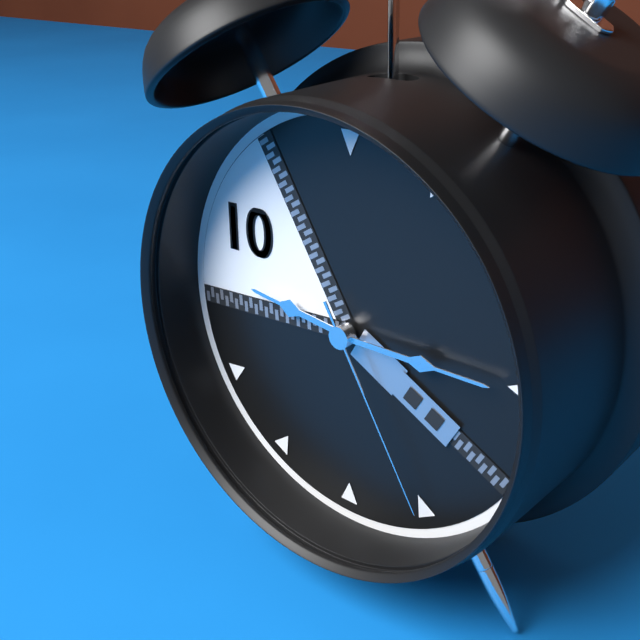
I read 9.15.25
